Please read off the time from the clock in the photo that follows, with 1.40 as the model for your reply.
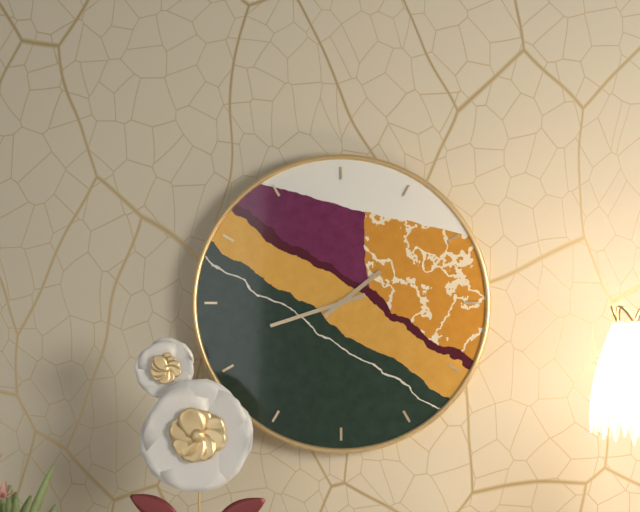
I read 1.42
